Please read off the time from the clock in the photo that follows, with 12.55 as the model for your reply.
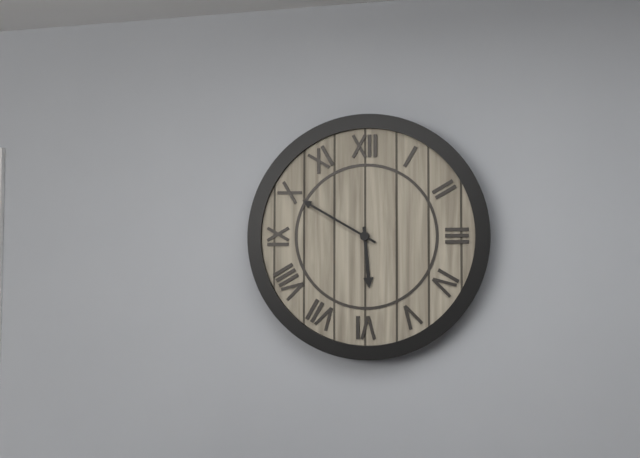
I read 5.50
